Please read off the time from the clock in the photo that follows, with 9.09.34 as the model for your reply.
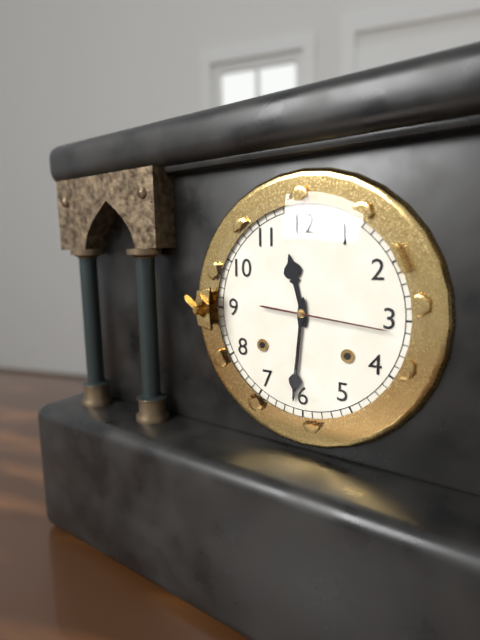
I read 11.31.16
